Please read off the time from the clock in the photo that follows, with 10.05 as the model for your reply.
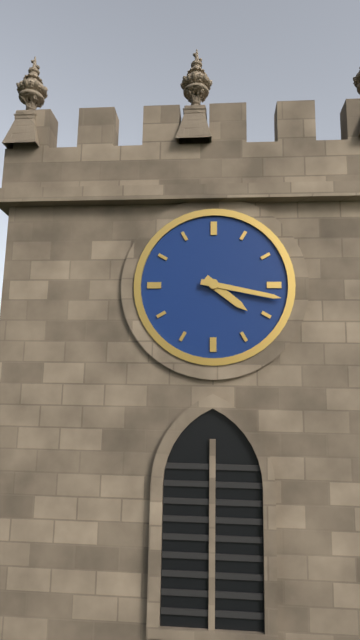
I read 4.17
